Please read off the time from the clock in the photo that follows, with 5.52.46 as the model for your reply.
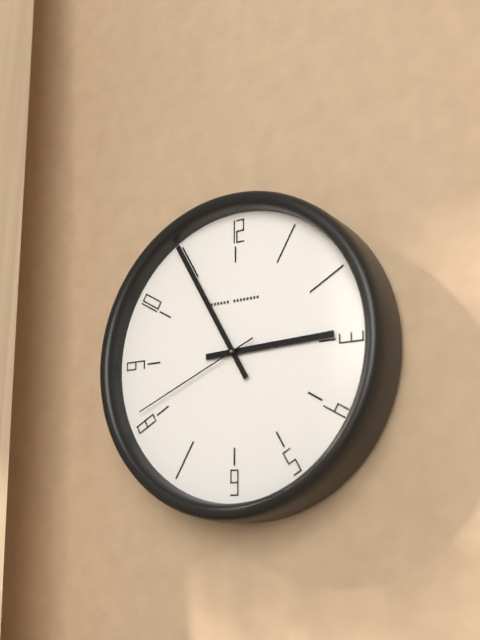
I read 2.55.41
